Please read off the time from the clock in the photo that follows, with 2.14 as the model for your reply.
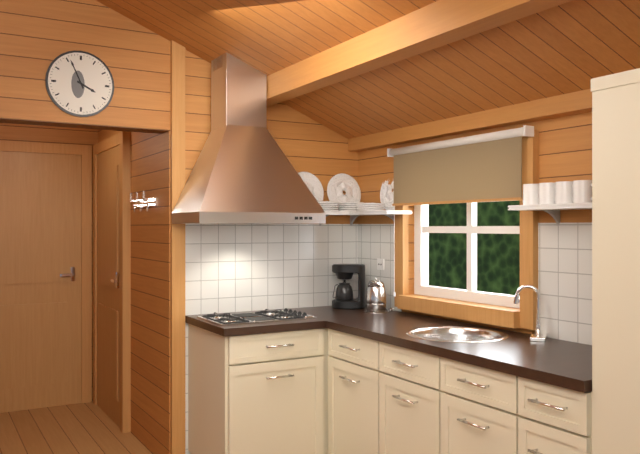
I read 3.56
